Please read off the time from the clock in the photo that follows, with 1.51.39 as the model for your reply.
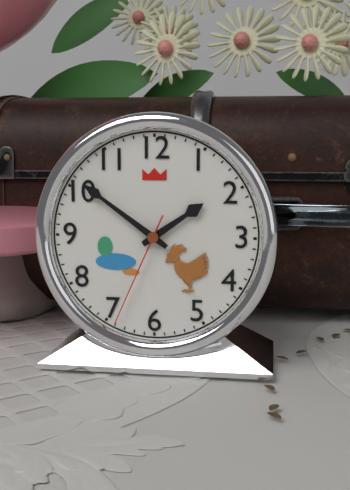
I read 1.51.34
